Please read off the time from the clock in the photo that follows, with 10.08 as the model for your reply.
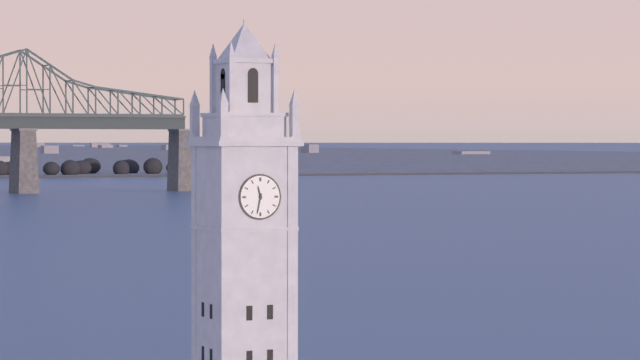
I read 11.32
